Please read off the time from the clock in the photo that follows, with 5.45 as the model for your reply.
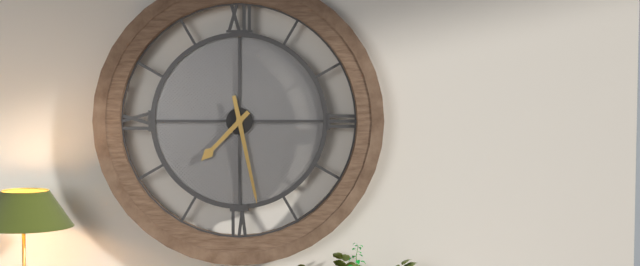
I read 7.28
